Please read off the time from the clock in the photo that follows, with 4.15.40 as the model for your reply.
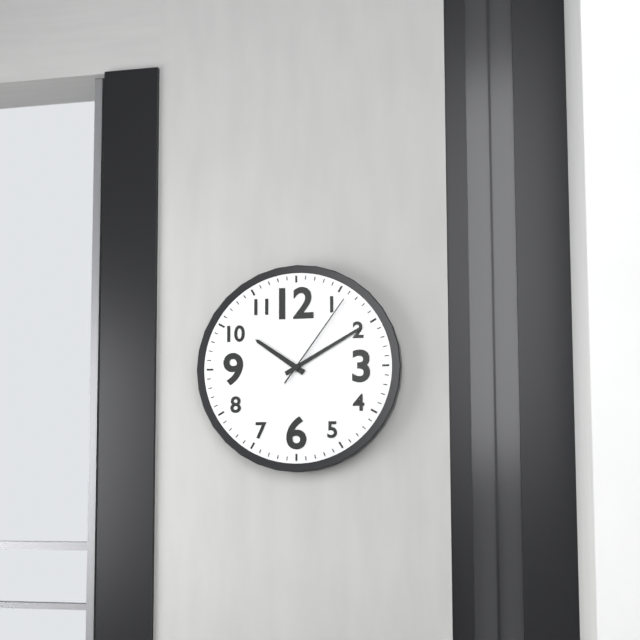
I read 10.10.06
